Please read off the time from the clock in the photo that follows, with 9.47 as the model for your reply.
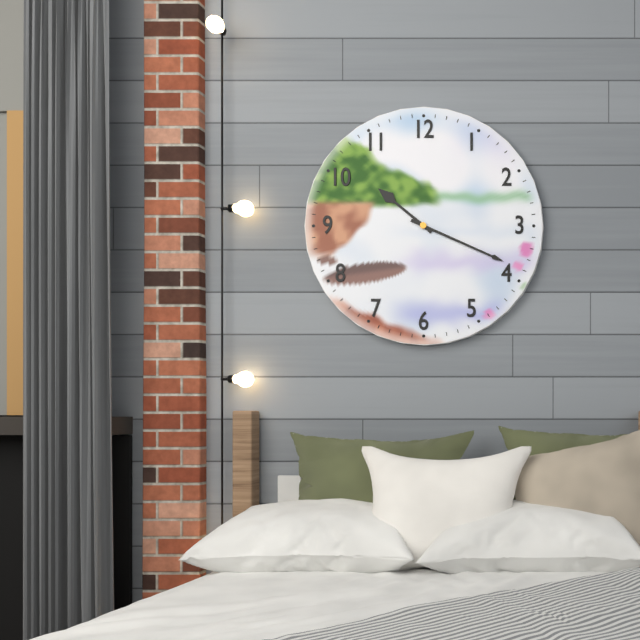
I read 10.19
